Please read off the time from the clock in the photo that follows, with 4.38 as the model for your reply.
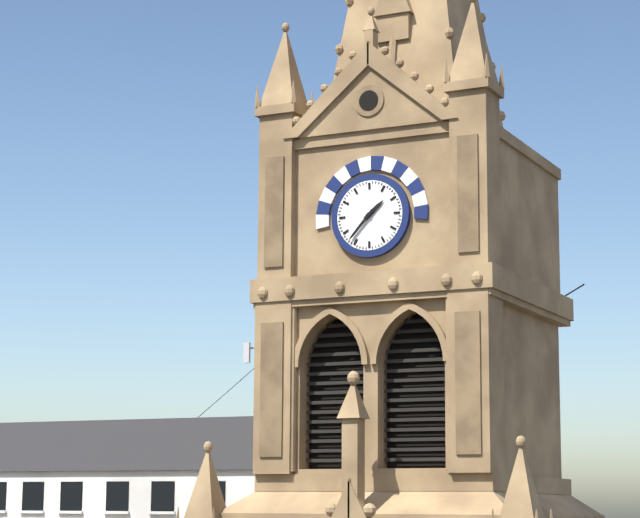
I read 1.37
